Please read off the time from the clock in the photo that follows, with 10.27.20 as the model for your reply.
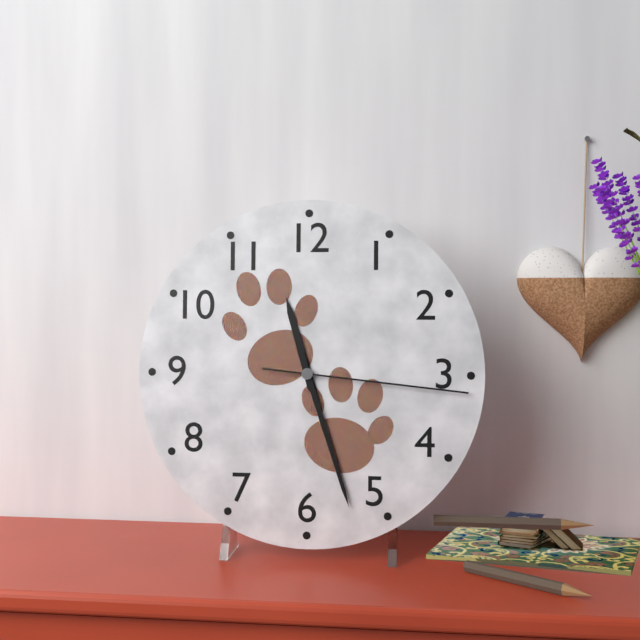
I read 11.27.16
